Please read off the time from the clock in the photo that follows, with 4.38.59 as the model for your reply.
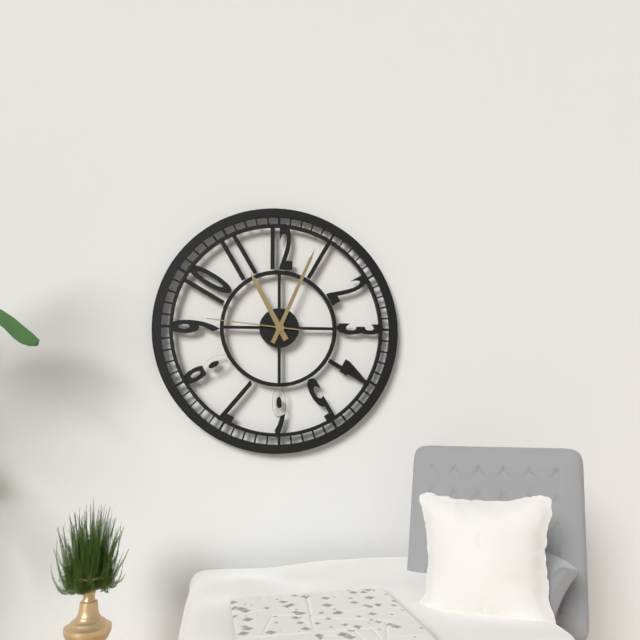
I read 11.04.46
